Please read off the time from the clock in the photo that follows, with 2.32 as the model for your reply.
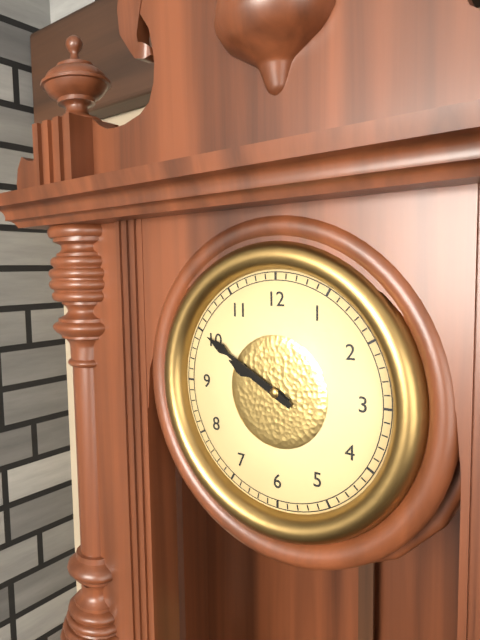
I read 9.50
